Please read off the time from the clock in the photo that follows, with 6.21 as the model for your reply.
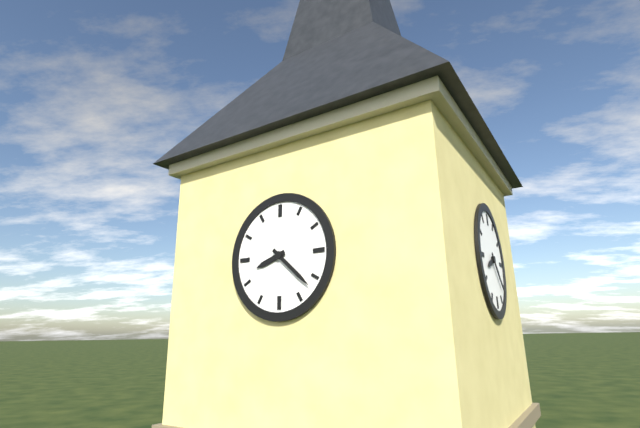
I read 8.22
